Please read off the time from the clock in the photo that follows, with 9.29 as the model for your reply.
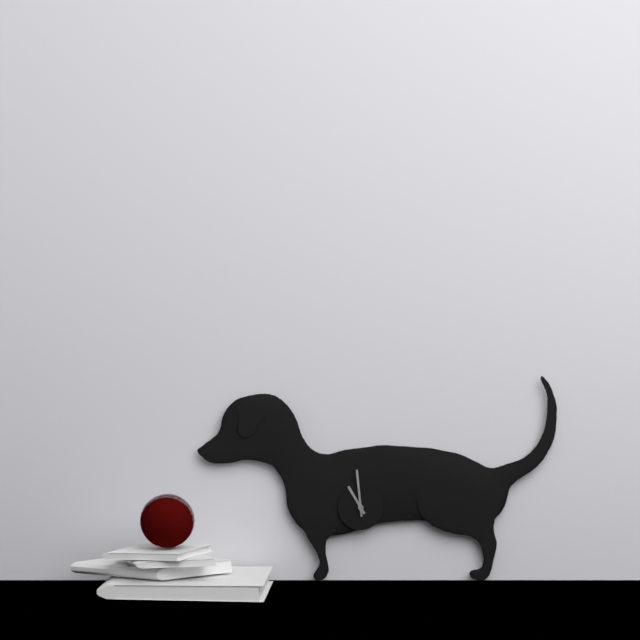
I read 10.59
